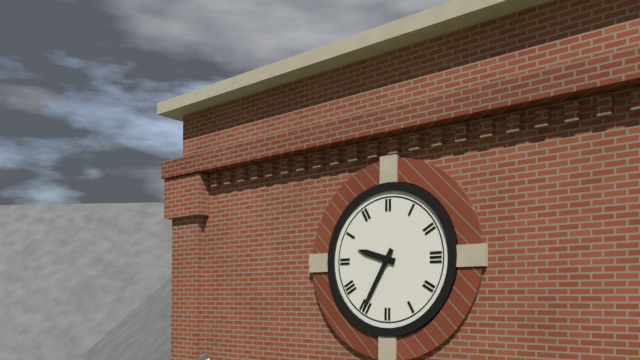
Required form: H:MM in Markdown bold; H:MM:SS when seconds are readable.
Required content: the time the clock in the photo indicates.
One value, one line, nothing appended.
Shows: **9:35**
